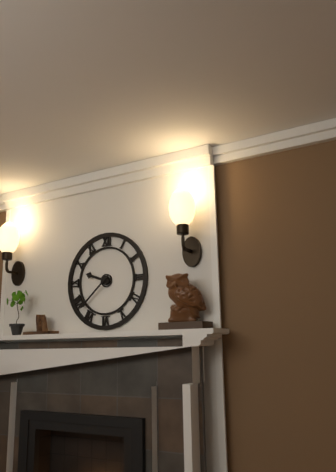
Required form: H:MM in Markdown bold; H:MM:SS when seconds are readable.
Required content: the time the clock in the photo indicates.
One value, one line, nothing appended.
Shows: **9:38**
